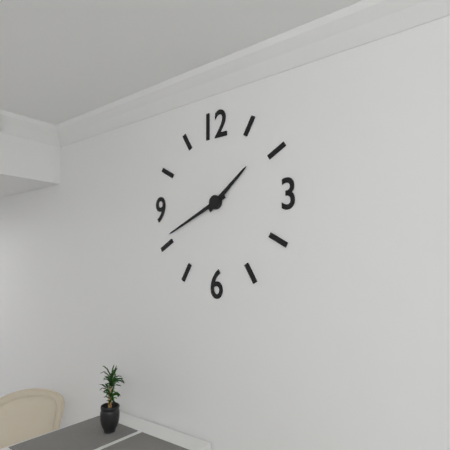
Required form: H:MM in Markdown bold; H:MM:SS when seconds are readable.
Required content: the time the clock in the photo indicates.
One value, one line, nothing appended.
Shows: **1:41**
